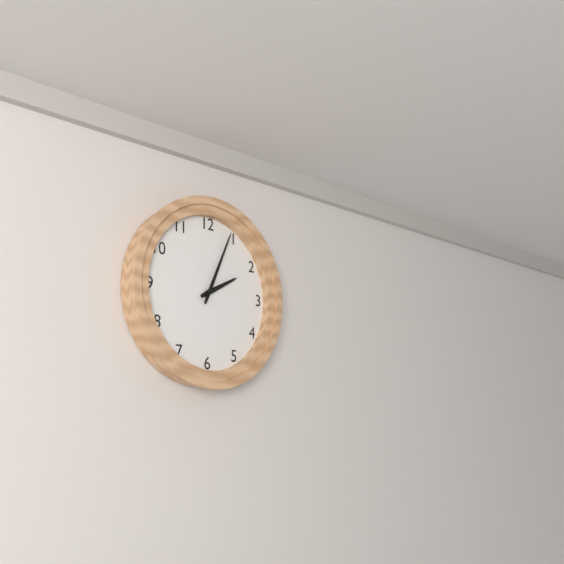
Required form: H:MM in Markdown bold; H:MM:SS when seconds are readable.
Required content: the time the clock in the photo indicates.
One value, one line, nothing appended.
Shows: **2:04**
